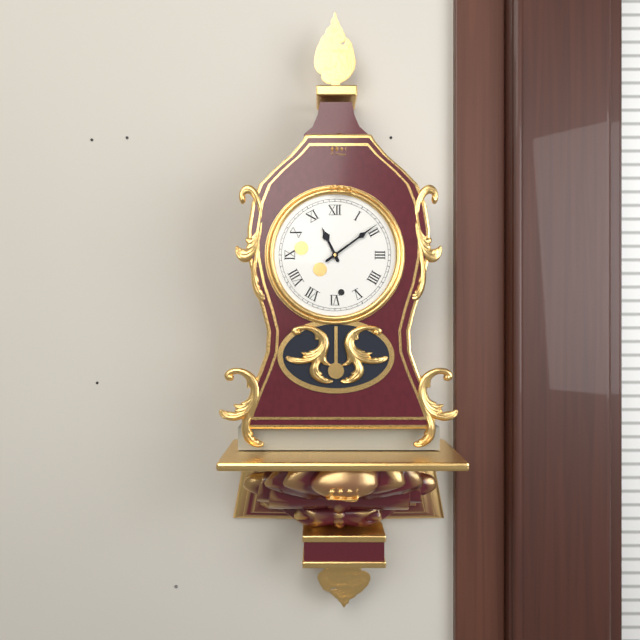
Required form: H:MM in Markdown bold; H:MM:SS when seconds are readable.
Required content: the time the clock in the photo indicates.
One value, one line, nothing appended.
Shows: **11:09**
